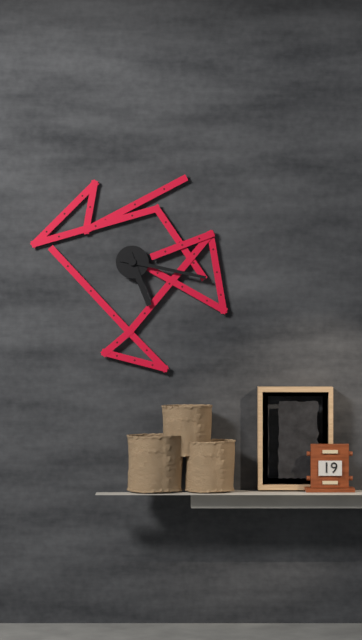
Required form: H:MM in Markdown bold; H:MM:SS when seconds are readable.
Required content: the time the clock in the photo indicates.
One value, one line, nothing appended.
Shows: **5:17**
